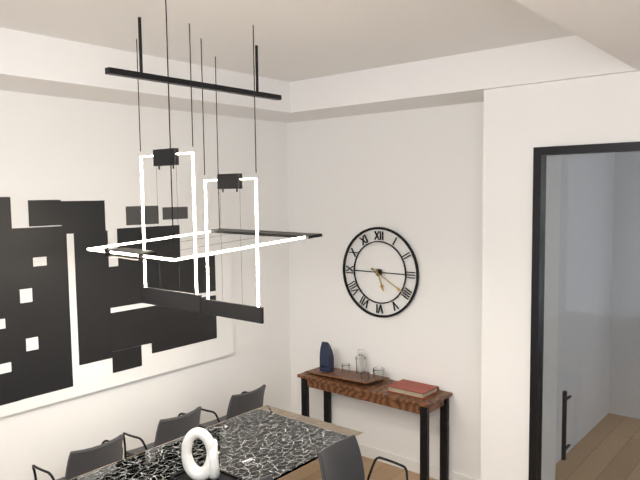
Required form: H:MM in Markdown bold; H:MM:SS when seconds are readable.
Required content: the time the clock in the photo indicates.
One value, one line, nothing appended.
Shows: **5:20**
